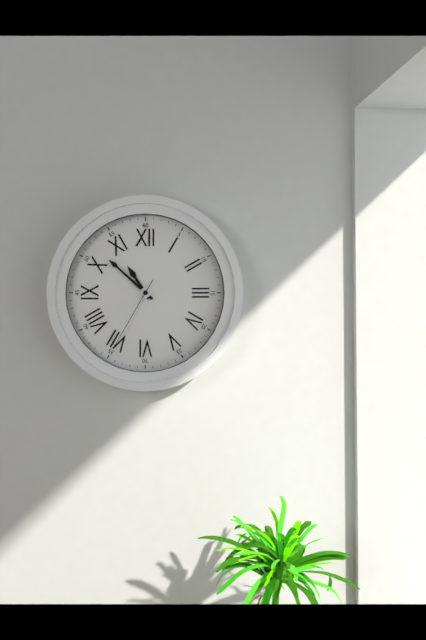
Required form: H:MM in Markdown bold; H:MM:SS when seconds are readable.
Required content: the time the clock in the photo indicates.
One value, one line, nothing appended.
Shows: **10:52:35**
